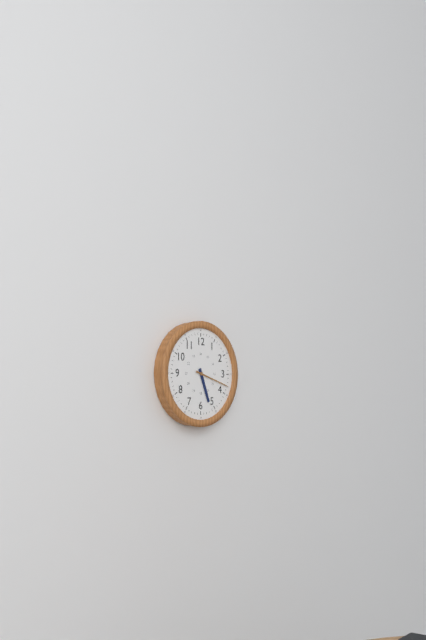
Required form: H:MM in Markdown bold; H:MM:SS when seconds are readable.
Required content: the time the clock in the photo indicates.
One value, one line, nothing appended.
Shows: **5:18**
